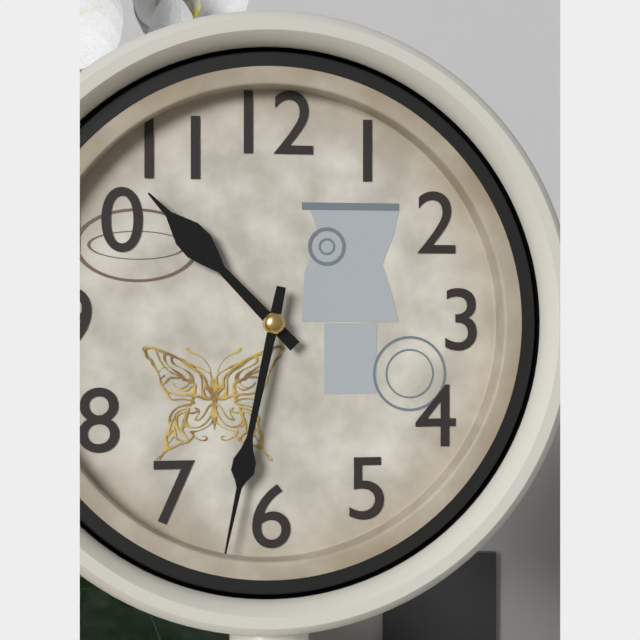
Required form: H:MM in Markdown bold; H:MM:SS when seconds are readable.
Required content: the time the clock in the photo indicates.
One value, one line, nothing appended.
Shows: **10:32**
